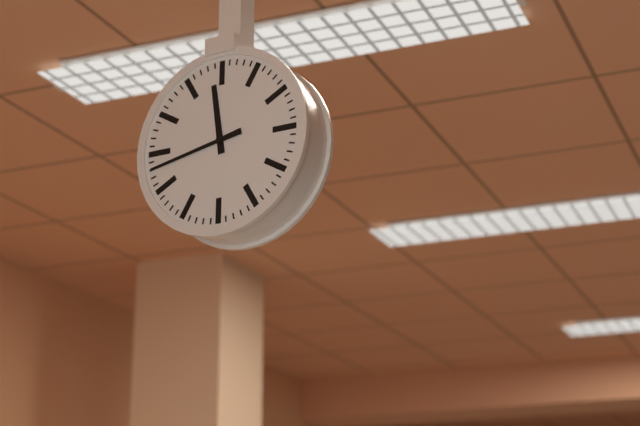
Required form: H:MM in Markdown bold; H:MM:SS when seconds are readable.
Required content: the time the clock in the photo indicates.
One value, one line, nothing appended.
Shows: **11:43**
